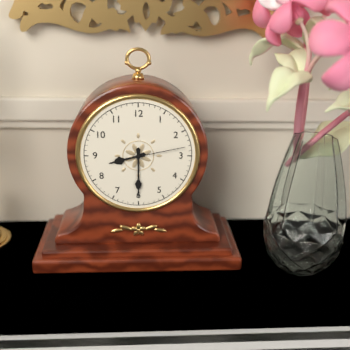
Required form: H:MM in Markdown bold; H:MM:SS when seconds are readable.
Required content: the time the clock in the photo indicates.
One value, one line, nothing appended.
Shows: **8:30:13**
